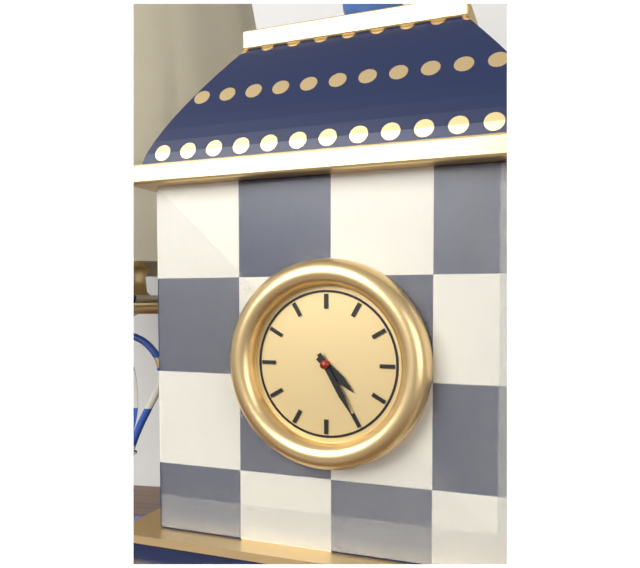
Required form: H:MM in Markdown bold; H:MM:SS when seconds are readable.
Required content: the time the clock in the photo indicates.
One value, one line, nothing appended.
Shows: **4:25**
